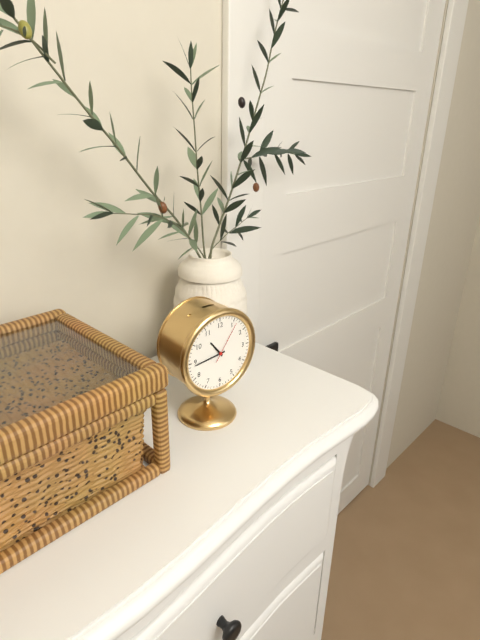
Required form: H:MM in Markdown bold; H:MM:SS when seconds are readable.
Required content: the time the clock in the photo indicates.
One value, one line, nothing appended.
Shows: **10:44**
